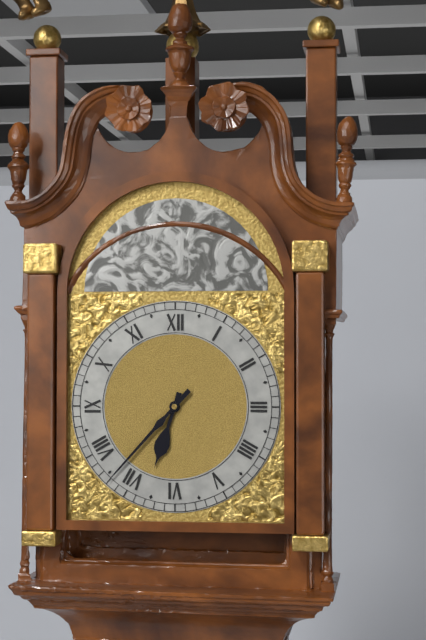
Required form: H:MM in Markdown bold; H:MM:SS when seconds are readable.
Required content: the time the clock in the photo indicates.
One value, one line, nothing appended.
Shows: **6:37**
